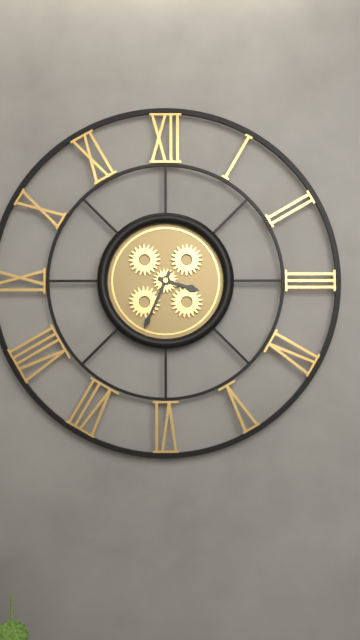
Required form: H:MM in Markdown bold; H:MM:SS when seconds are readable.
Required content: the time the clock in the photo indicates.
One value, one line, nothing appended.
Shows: **3:34**
